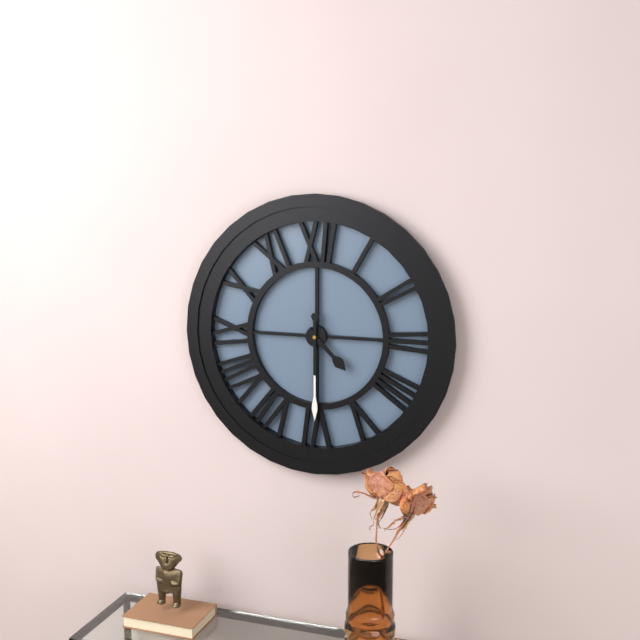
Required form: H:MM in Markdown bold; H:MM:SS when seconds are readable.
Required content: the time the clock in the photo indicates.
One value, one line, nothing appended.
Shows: **4:30**
